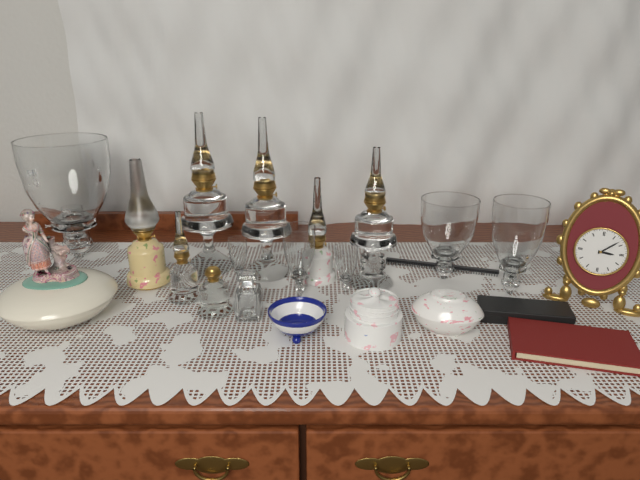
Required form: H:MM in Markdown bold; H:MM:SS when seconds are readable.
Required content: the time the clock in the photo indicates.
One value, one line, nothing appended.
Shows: **3:08**
